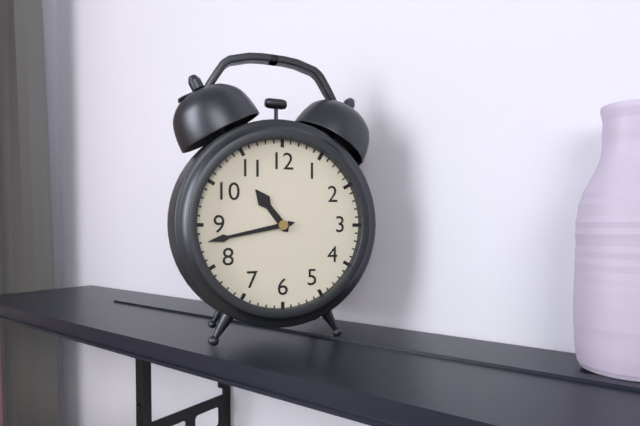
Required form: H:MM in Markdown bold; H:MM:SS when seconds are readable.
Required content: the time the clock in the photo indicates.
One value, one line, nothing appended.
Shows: **10:43**
